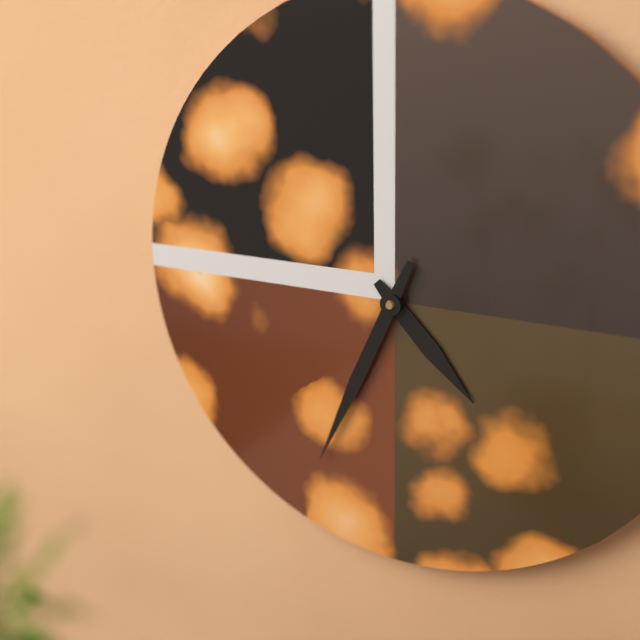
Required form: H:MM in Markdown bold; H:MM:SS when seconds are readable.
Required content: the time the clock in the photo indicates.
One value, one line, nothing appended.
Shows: **4:34**
